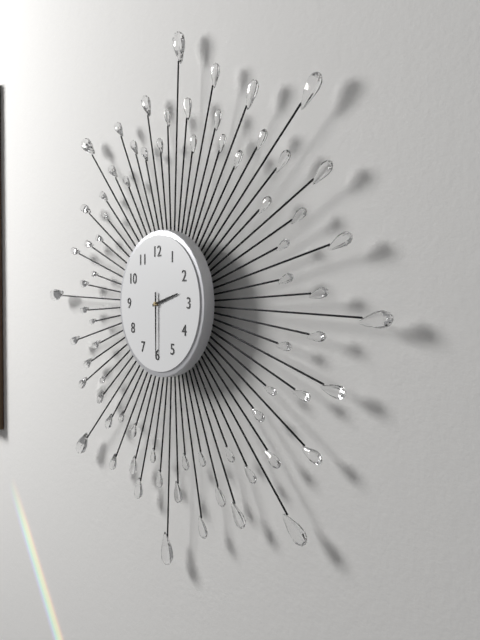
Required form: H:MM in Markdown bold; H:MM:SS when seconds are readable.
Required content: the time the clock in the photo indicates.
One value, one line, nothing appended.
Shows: **2:30**
